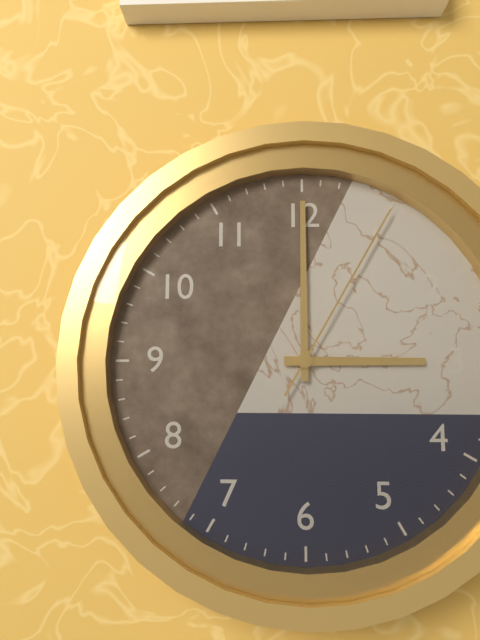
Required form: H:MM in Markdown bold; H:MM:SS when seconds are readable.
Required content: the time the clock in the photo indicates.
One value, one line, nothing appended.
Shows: **3:00:05**
